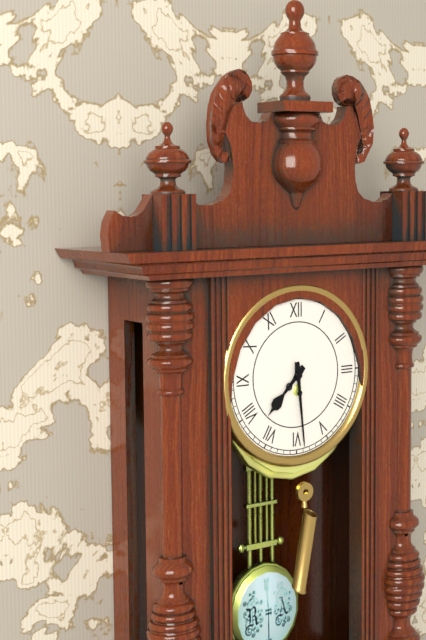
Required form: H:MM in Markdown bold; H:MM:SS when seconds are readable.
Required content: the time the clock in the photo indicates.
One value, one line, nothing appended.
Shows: **7:29**
